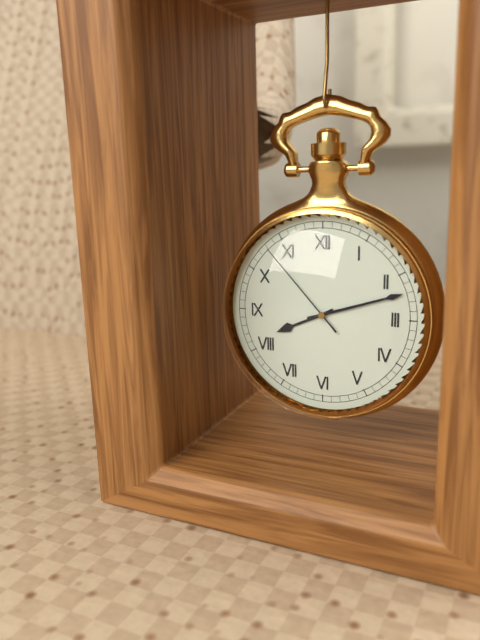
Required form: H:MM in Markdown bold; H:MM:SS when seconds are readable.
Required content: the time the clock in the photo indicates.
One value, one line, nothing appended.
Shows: **8:12:53**
